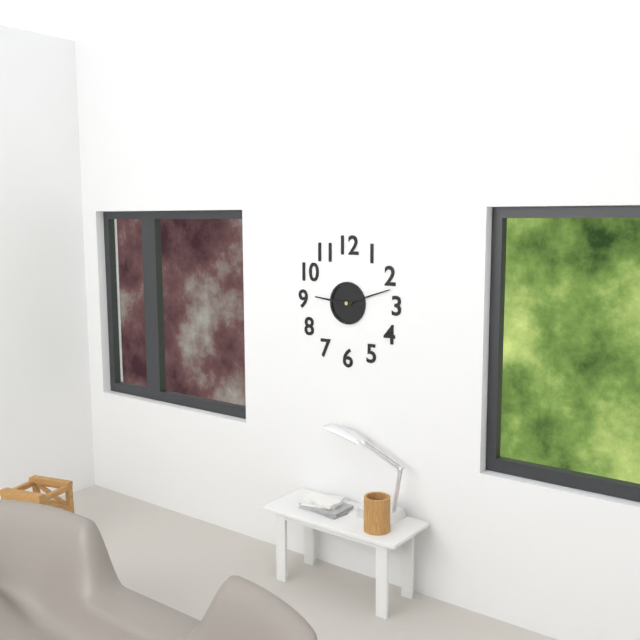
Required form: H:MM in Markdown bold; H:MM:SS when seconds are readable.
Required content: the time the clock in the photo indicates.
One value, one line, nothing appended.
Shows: **9:12**
